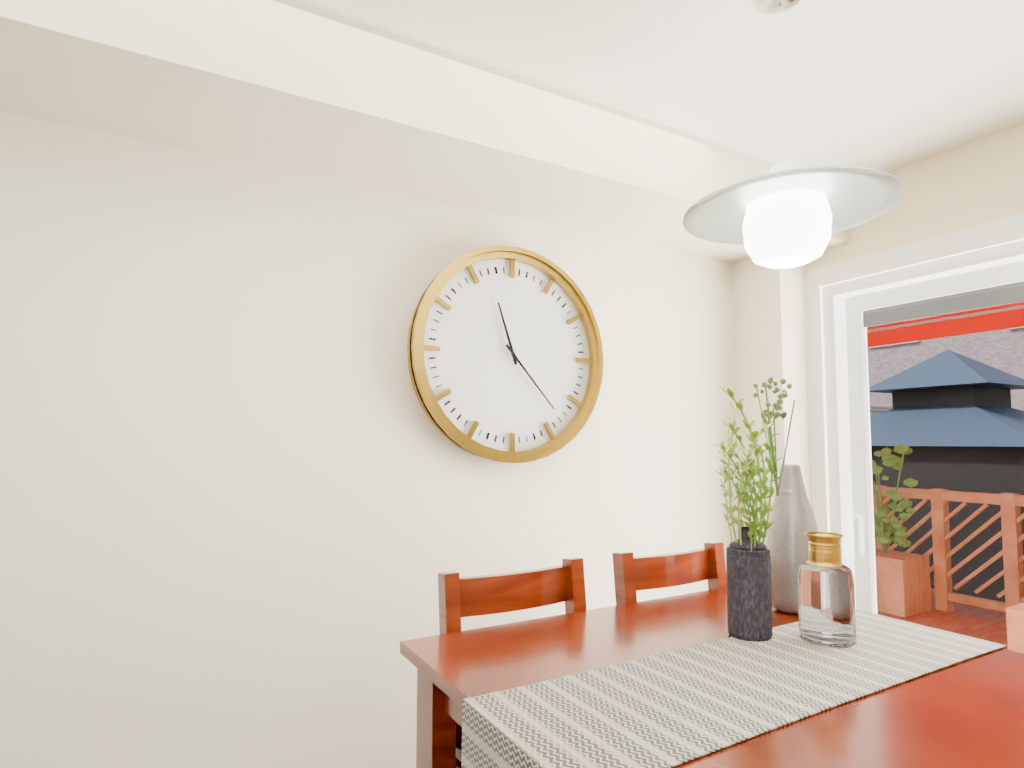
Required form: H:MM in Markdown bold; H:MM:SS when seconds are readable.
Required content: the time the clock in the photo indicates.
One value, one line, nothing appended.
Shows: **11:23**
